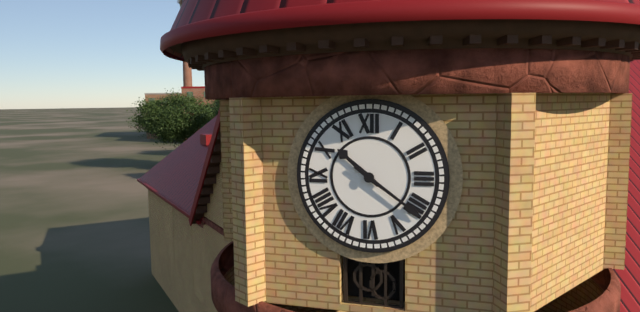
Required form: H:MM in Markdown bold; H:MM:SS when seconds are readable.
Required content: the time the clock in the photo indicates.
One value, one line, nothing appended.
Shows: **10:21**
